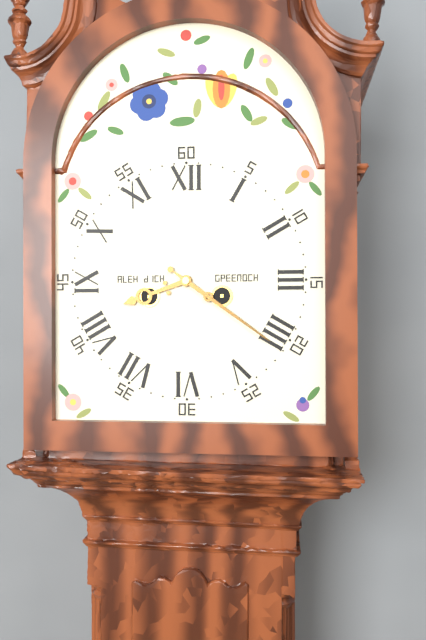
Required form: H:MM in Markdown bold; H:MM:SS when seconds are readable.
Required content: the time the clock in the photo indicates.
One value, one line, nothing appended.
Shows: **8:21**
